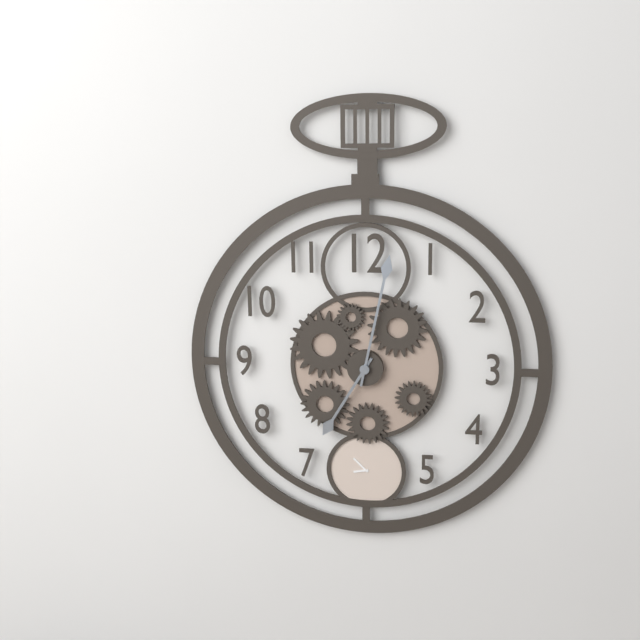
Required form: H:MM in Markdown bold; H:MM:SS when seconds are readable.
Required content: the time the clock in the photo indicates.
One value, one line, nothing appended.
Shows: **7:02**
